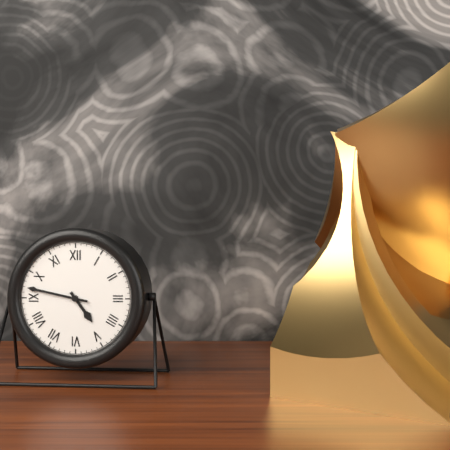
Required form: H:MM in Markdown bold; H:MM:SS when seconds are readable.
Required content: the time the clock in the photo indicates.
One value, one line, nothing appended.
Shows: **4:47**
